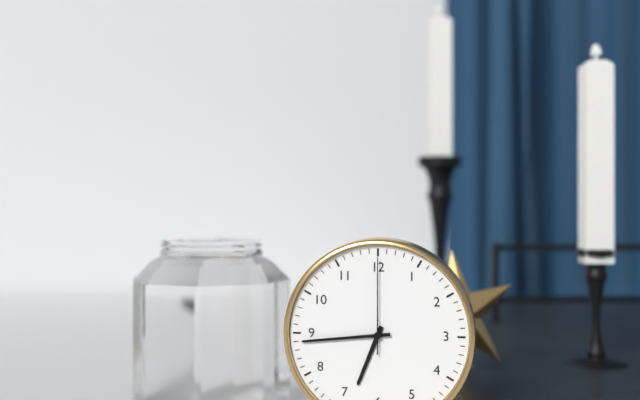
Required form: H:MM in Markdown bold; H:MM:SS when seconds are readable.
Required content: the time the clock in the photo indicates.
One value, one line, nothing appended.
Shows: **6:44:00**
